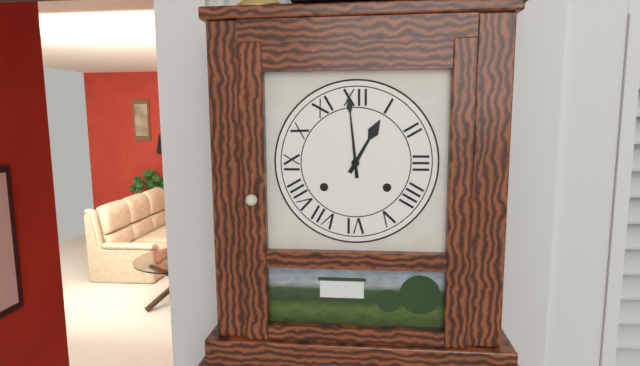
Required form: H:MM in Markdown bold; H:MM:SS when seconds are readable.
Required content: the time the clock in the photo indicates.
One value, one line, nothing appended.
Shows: **12:59**
